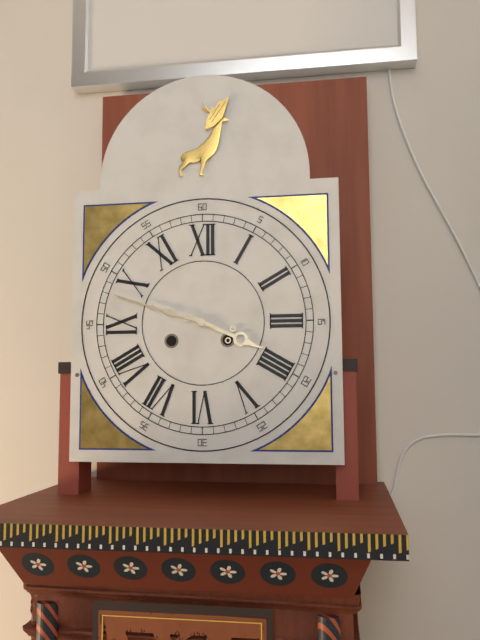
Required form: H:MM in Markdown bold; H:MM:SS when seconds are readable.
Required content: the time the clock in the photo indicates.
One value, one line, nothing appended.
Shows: **3:48**
